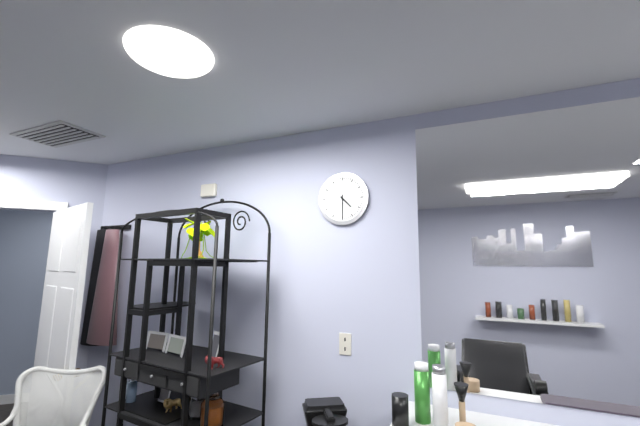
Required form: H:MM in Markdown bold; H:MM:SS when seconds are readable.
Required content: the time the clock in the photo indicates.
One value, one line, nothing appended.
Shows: **4:30**
